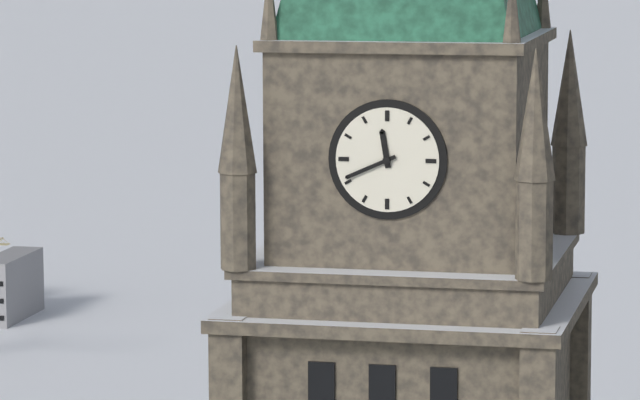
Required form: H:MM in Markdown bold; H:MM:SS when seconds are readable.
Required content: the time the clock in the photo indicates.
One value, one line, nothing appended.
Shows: **11:41**
